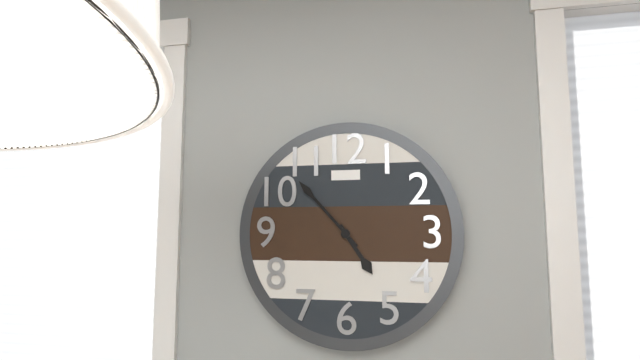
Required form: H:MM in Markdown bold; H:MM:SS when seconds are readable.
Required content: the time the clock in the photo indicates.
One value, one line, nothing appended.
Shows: **4:53**
